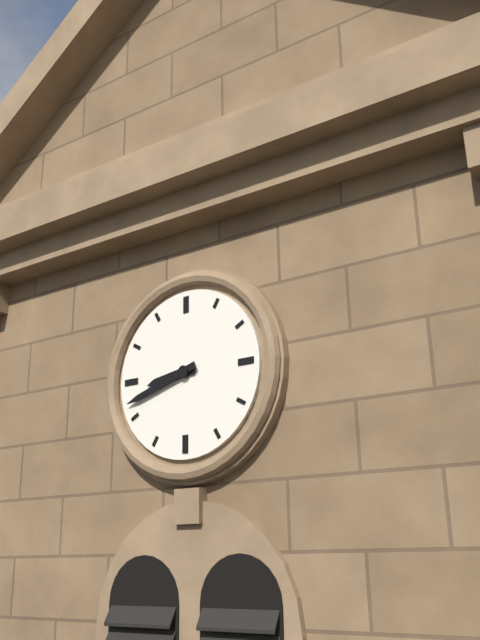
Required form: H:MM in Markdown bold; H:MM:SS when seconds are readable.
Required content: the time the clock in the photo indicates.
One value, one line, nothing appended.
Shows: **8:42**
